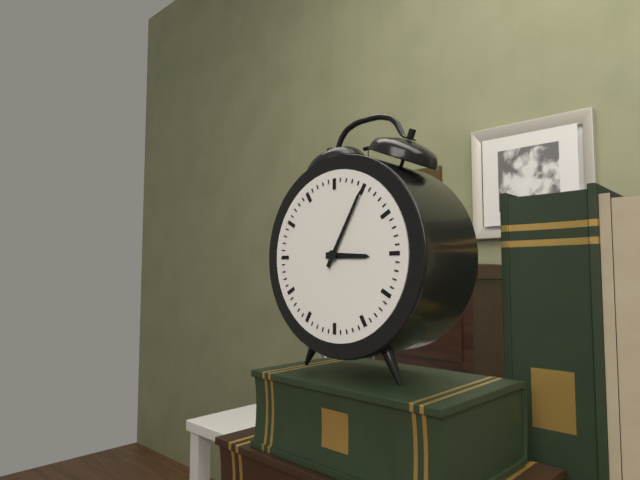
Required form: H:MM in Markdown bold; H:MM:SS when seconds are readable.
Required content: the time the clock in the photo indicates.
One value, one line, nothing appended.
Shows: **3:05**
